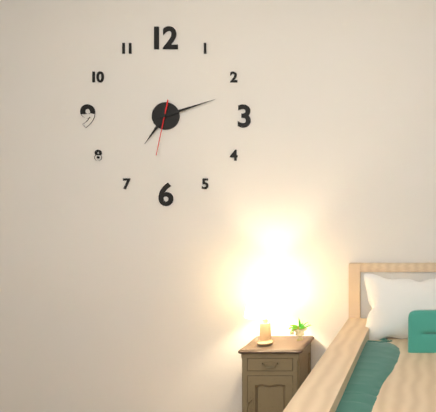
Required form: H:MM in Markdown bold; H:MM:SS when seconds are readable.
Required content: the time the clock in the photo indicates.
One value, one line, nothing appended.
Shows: **7:12:32**
